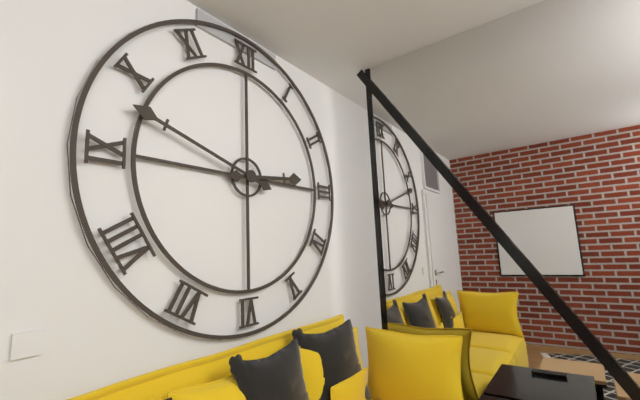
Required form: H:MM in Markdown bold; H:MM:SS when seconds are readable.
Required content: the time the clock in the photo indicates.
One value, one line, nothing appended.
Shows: **2:48**
